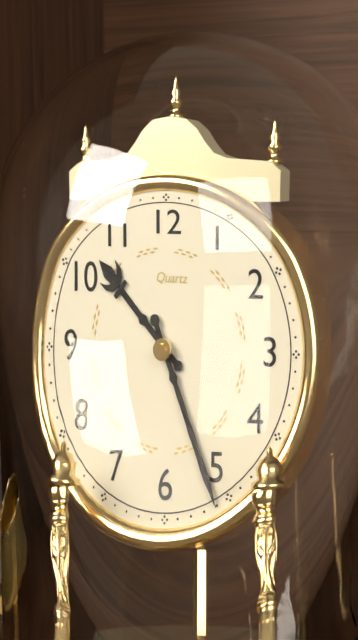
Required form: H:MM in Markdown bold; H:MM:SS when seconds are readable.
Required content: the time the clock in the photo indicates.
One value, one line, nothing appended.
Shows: **10:26**
